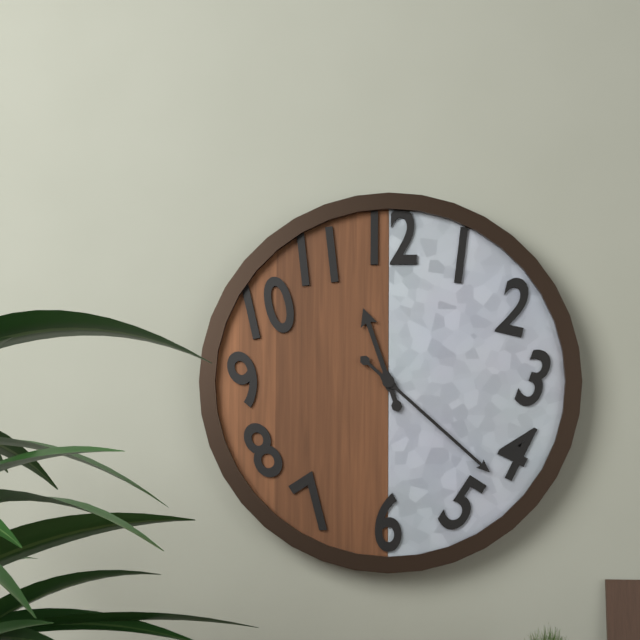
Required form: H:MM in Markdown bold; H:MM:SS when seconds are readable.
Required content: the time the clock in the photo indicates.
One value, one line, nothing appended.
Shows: **11:22**
